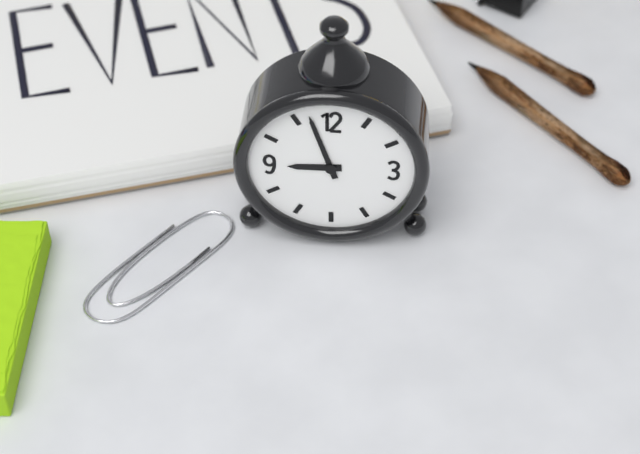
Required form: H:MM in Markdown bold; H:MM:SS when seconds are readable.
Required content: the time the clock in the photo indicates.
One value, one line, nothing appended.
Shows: **8:57**
